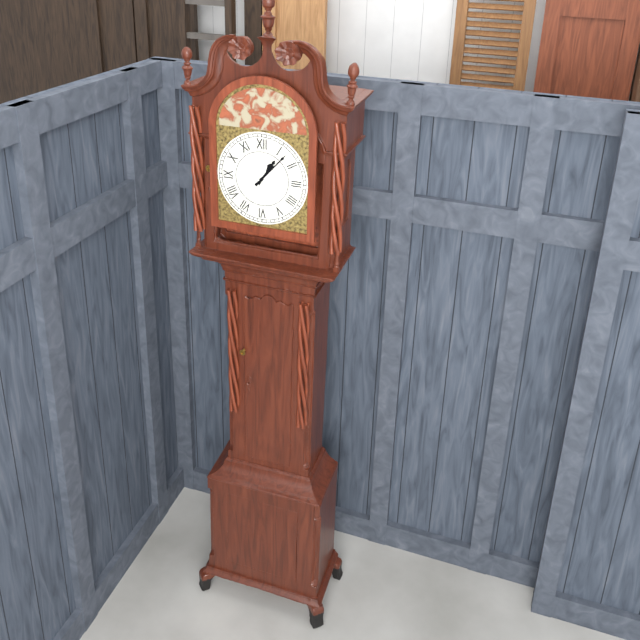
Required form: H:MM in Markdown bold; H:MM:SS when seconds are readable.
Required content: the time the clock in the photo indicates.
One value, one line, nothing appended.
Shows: **1:07**
